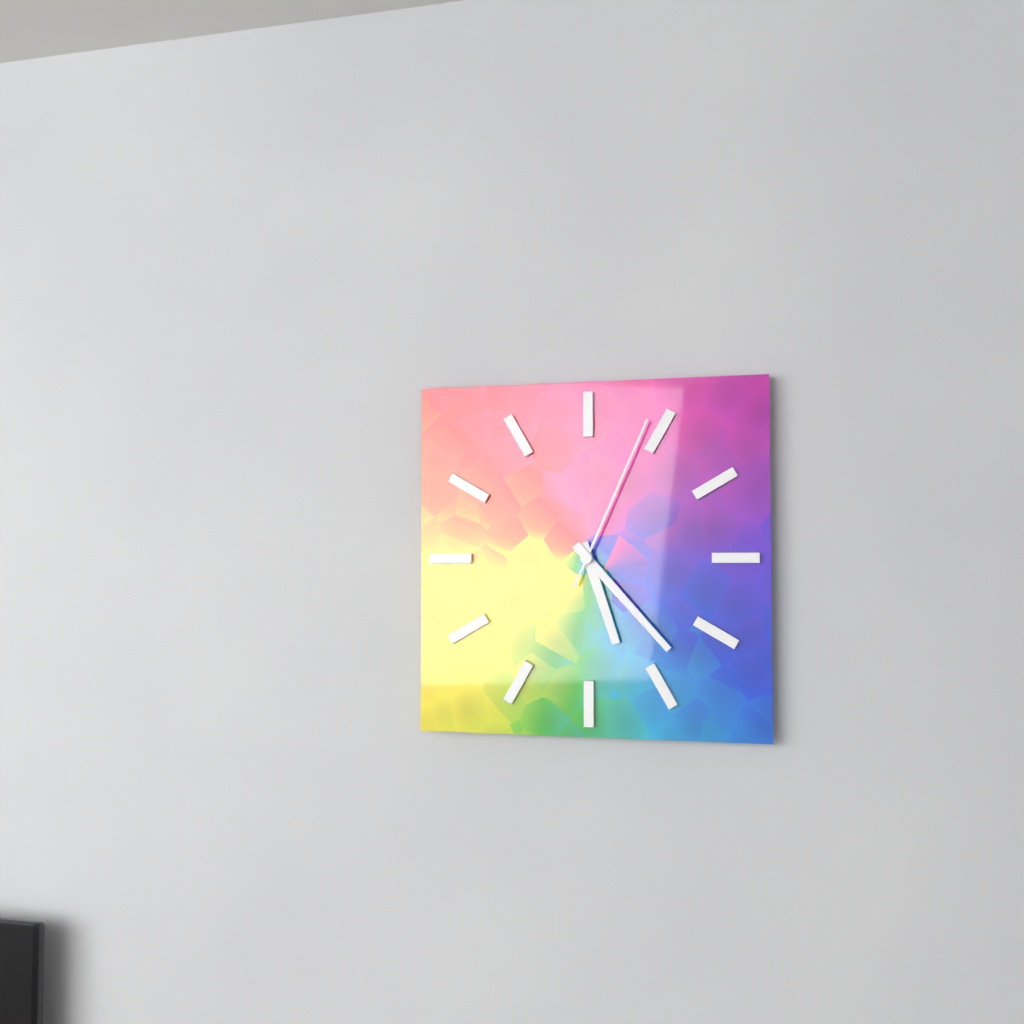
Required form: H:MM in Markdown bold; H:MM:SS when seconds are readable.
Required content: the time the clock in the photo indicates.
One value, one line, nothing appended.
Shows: **5:23:04**
